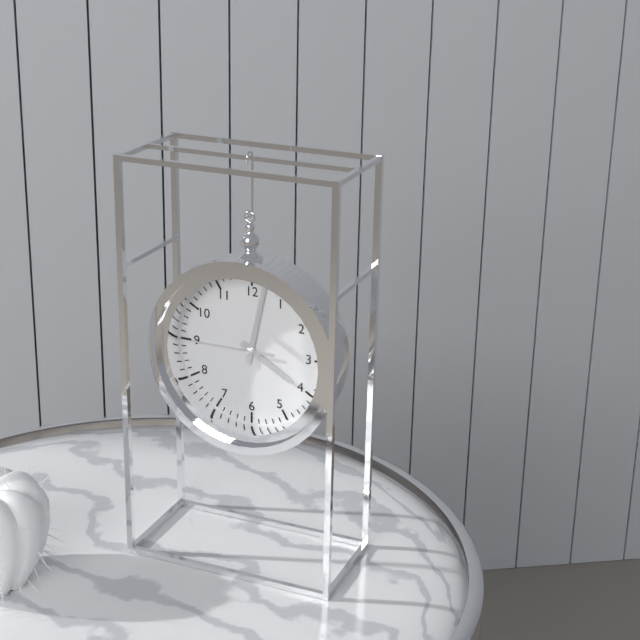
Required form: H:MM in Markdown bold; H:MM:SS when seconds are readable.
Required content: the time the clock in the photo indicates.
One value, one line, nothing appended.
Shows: **4:02:45**
